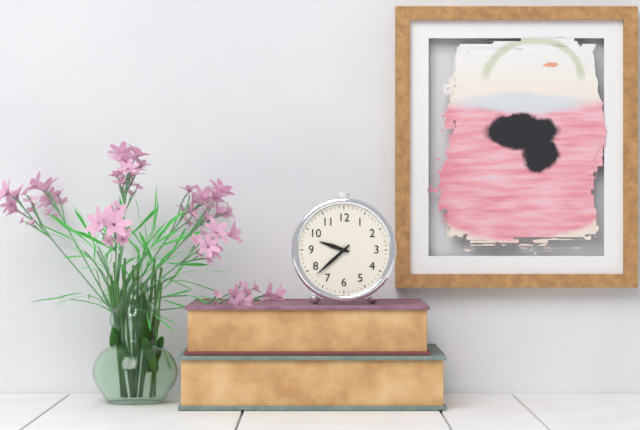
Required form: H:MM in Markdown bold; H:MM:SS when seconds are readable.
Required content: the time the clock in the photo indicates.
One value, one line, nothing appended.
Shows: **9:38**
